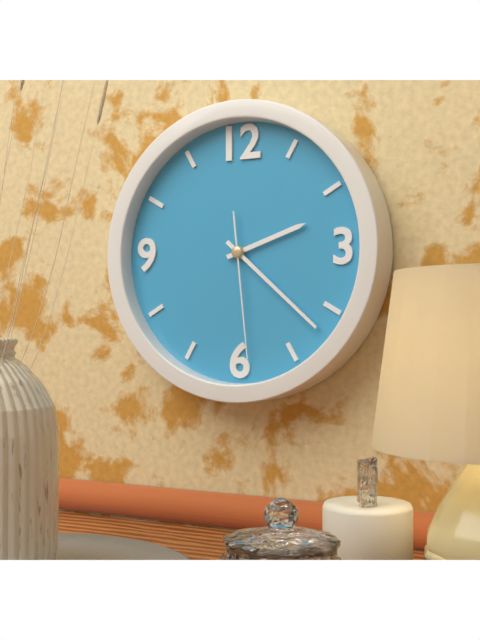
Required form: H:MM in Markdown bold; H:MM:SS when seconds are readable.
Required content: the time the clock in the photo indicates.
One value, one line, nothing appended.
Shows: **2:22:29**
